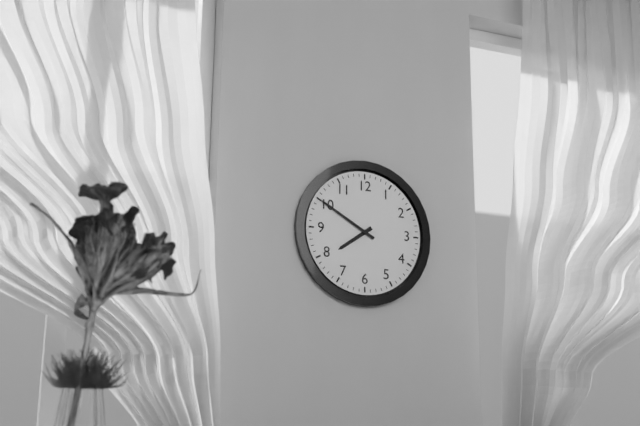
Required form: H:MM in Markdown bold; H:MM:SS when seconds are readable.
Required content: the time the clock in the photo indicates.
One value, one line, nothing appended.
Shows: **7:50**
